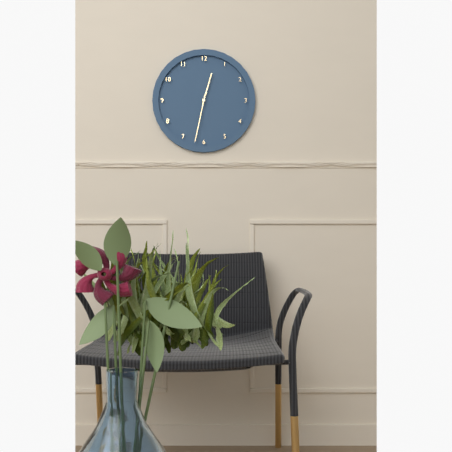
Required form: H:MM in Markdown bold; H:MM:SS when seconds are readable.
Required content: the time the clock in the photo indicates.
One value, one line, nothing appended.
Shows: **12:32**
